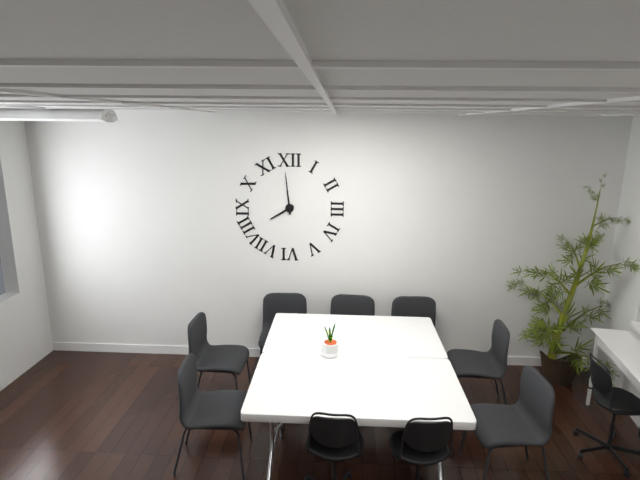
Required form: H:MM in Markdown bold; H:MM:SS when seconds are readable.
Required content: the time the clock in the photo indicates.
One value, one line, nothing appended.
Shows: **7:59**
